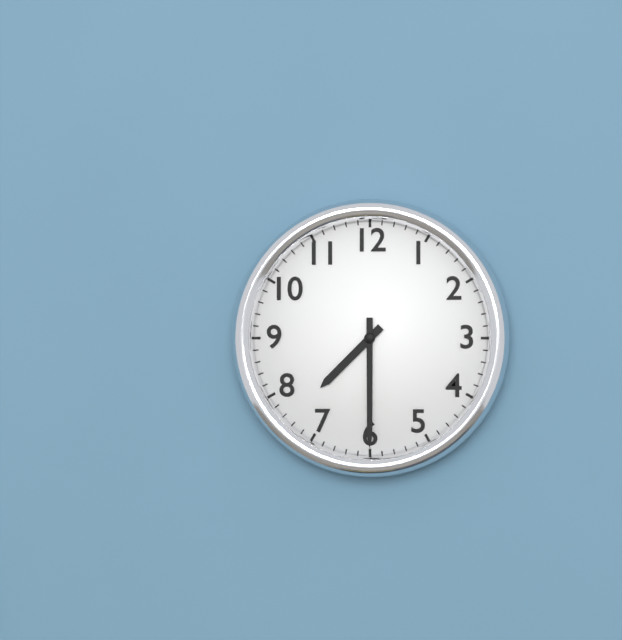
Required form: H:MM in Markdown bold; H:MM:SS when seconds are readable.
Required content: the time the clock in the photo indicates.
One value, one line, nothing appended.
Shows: **7:30**
